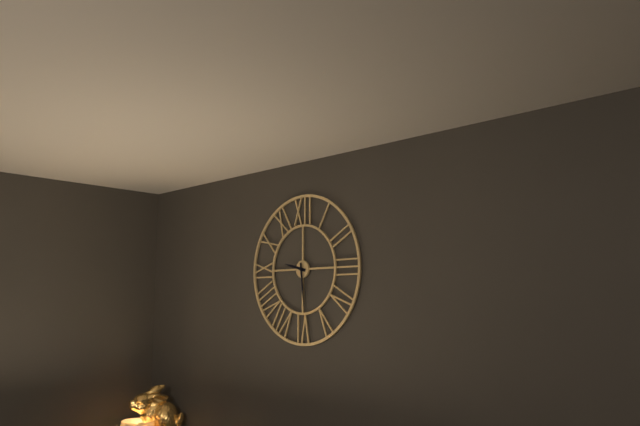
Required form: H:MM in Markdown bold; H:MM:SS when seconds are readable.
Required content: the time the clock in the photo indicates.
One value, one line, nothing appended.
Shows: **9:29**
